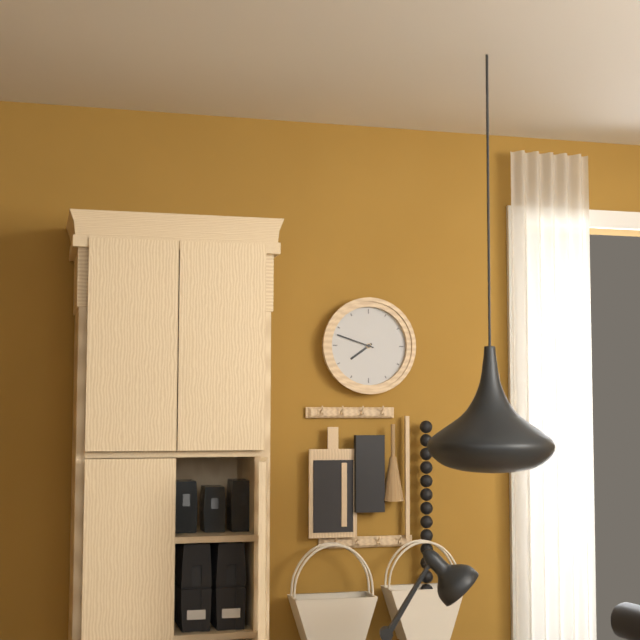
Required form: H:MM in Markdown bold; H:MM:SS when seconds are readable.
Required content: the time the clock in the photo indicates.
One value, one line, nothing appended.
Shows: **7:48**
